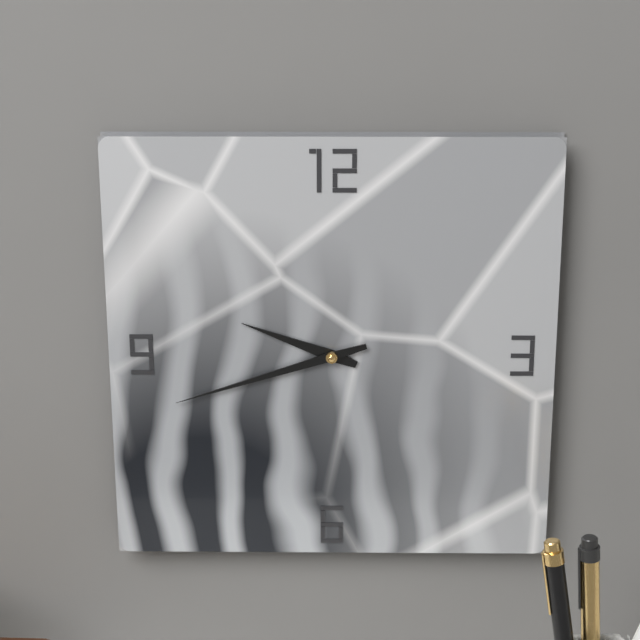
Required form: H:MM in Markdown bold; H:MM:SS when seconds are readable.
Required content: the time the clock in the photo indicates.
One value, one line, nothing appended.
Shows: **9:42**
